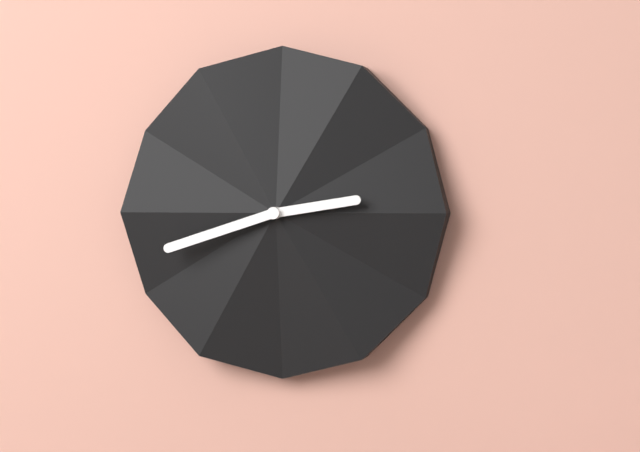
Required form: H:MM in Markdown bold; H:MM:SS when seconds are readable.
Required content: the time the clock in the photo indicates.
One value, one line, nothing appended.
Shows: **2:42**
